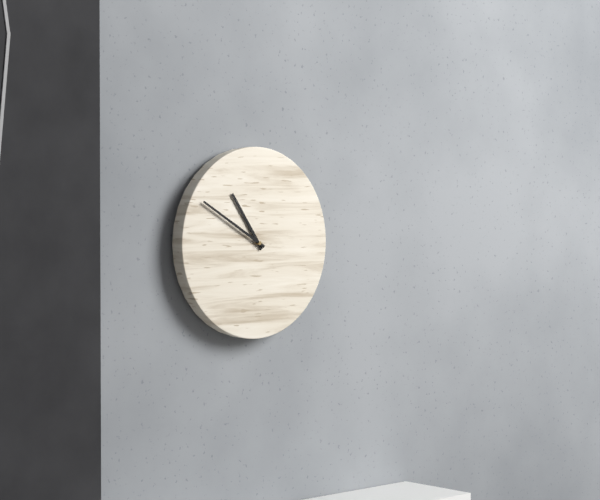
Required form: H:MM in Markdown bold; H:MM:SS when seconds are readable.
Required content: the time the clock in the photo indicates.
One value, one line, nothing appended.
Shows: **10:50**
